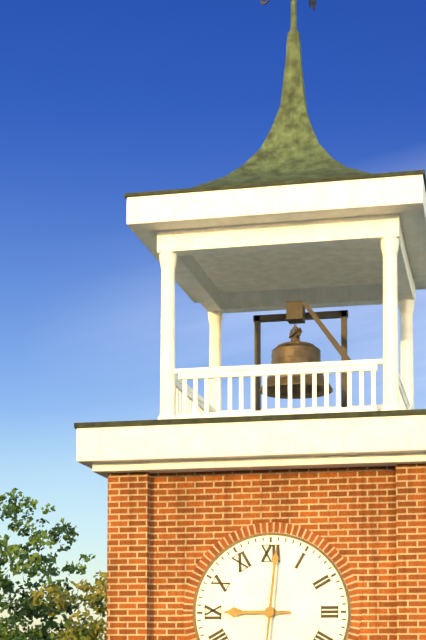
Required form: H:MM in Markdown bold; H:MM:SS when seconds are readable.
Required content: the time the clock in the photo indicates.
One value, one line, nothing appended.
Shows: **9:01**
